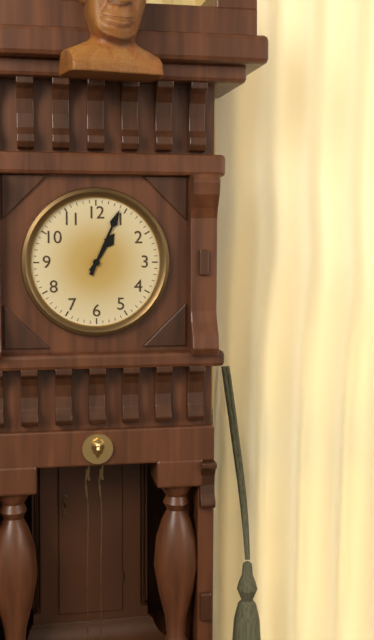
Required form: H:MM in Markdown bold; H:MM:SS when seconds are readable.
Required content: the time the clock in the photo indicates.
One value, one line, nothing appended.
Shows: **1:04**
